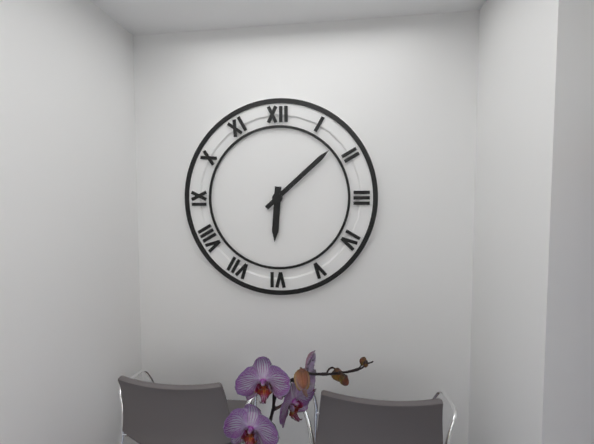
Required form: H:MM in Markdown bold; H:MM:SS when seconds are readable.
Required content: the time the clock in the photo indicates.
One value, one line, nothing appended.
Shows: **6:08**
